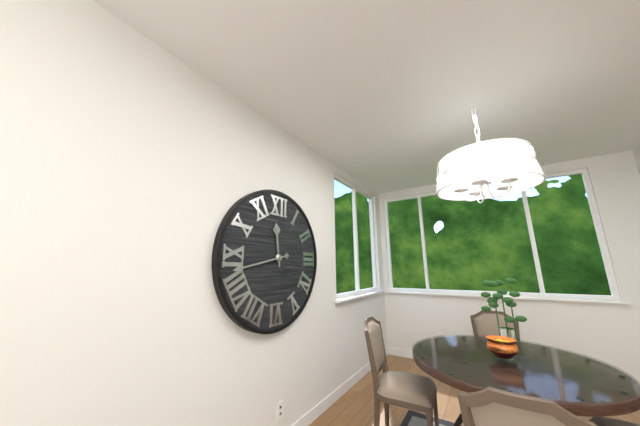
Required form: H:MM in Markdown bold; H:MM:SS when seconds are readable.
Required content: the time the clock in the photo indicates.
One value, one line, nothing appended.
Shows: **11:43**
